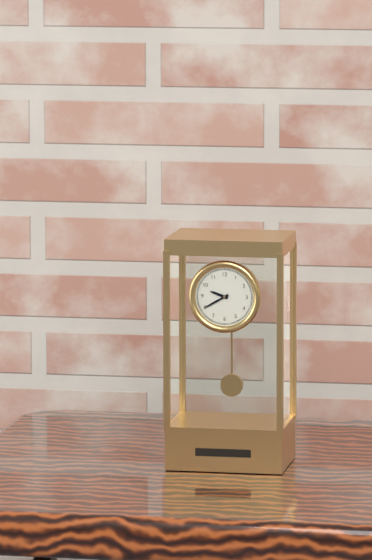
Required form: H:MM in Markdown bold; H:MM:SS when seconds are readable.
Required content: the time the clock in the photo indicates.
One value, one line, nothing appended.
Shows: **9:40**
